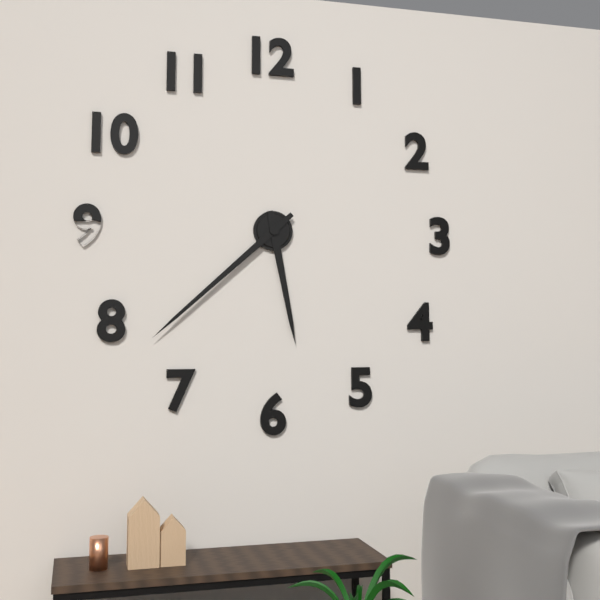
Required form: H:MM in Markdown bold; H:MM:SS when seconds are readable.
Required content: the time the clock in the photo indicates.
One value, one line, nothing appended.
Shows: **5:38**
